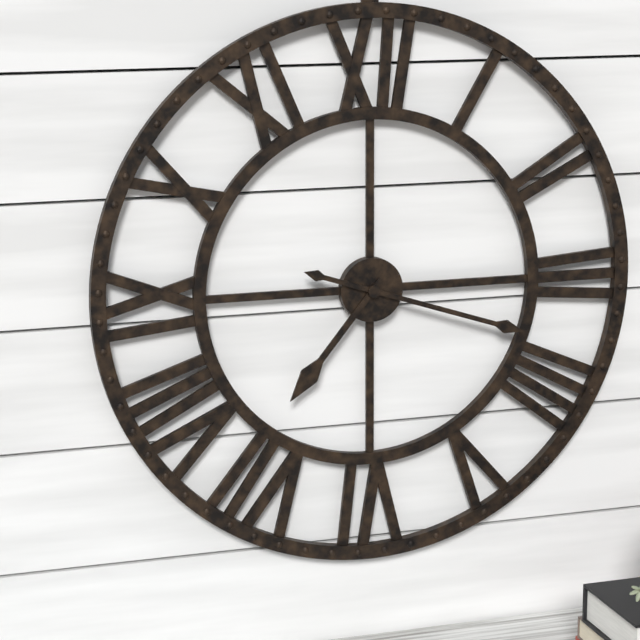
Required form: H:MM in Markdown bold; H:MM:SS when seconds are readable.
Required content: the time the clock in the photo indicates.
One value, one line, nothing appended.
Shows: **7:18**
